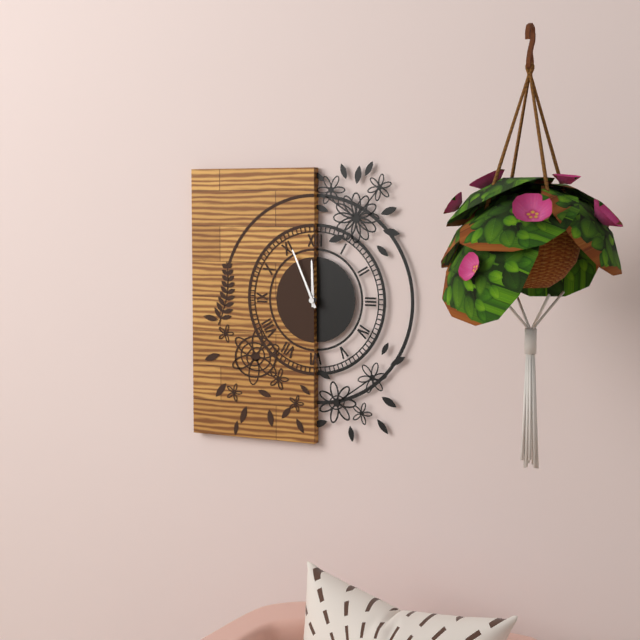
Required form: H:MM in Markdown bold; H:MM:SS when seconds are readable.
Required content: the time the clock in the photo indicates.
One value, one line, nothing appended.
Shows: **11:56**
